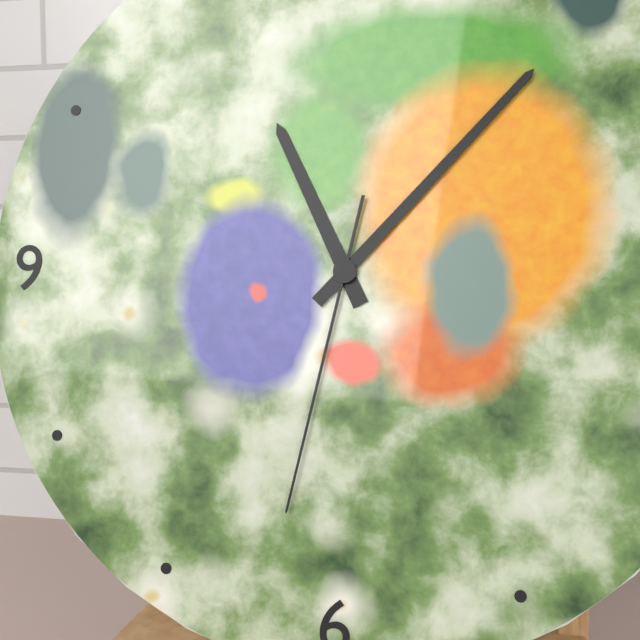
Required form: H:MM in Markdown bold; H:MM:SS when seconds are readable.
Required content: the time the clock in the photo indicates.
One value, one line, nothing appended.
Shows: **11:07:32**
